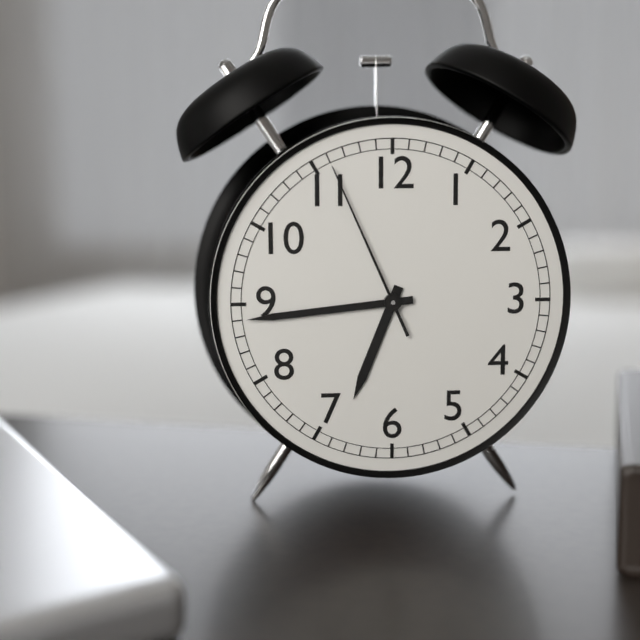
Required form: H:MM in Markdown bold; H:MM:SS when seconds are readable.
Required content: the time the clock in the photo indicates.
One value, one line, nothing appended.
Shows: **6:44:56**
